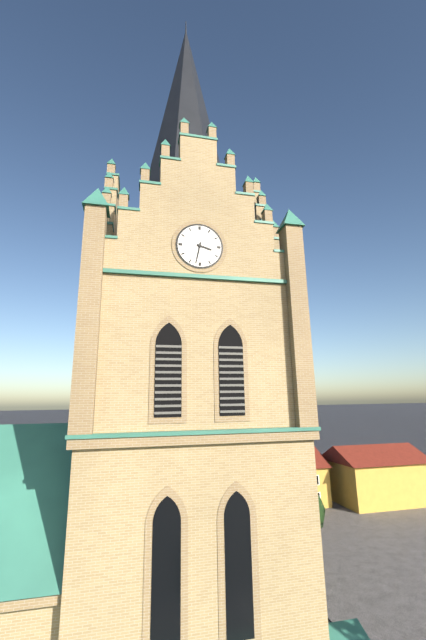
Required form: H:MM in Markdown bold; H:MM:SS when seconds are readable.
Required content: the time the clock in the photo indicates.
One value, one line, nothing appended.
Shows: **3:32**
